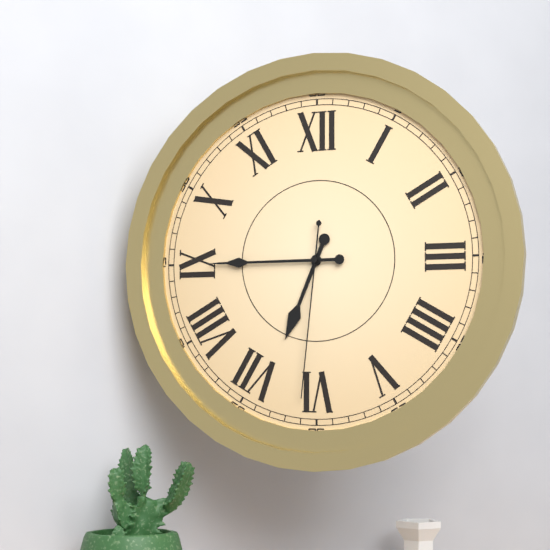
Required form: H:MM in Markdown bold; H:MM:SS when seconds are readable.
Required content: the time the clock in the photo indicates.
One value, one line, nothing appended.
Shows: **6:45:31**
